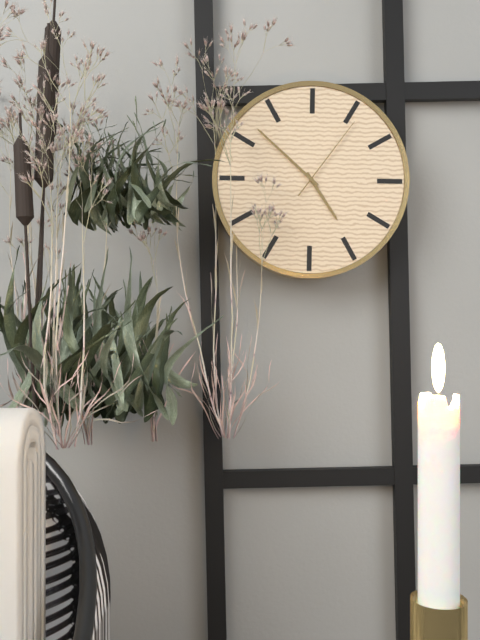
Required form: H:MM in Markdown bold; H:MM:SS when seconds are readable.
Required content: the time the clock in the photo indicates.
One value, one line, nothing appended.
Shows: **4:52:06**
